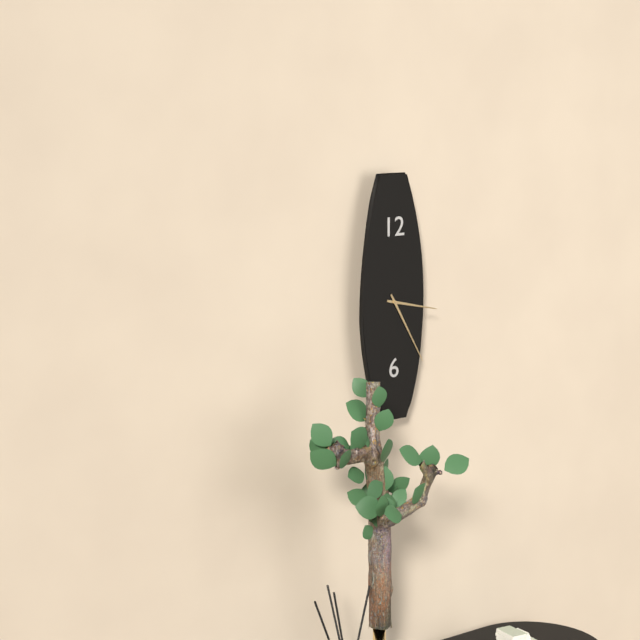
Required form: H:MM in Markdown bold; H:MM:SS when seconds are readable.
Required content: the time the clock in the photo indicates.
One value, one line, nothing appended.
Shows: **3:25**
